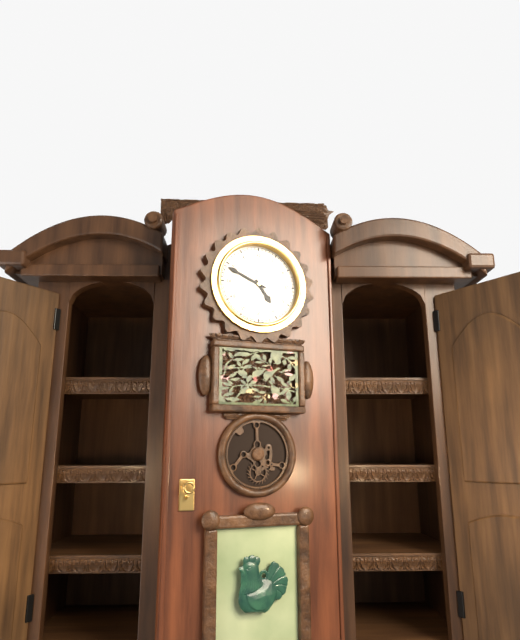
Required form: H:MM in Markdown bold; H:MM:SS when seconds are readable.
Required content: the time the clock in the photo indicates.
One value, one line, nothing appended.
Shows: **4:49**
